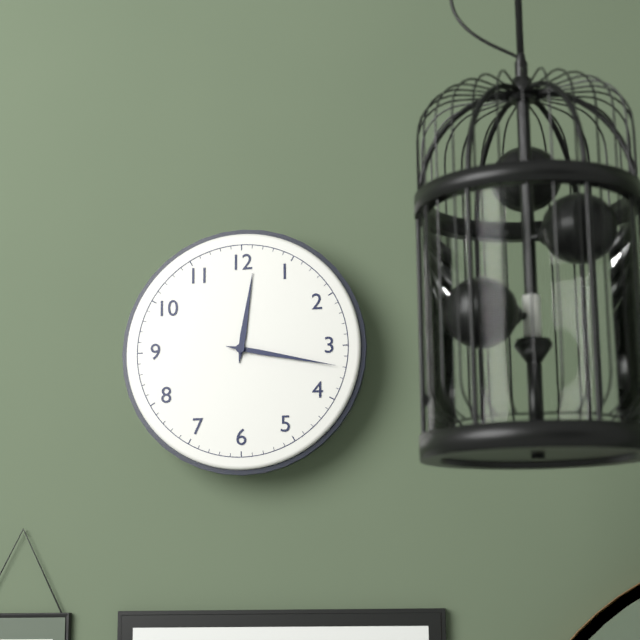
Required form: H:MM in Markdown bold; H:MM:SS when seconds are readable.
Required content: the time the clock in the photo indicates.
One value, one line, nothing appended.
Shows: **12:17**
